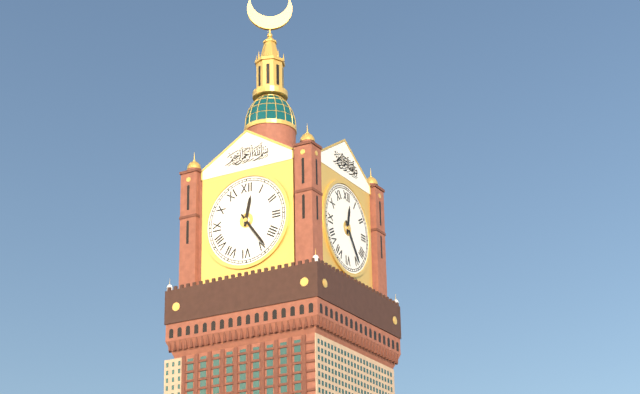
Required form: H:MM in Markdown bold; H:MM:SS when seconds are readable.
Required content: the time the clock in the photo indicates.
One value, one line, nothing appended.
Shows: **12:24**
